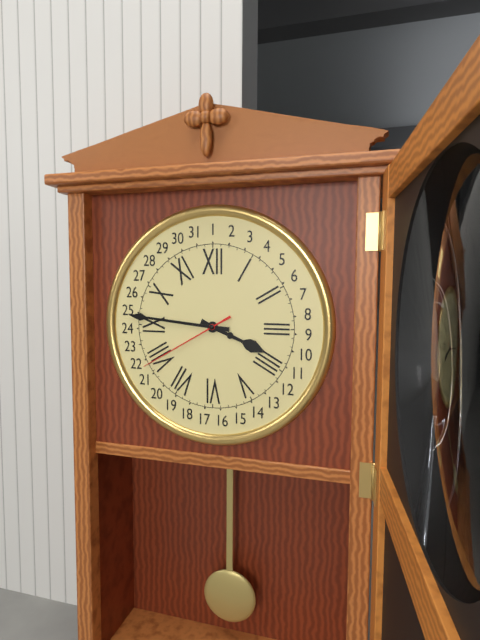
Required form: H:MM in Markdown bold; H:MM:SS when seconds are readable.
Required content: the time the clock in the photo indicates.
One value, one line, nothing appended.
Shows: **3:46:40**
